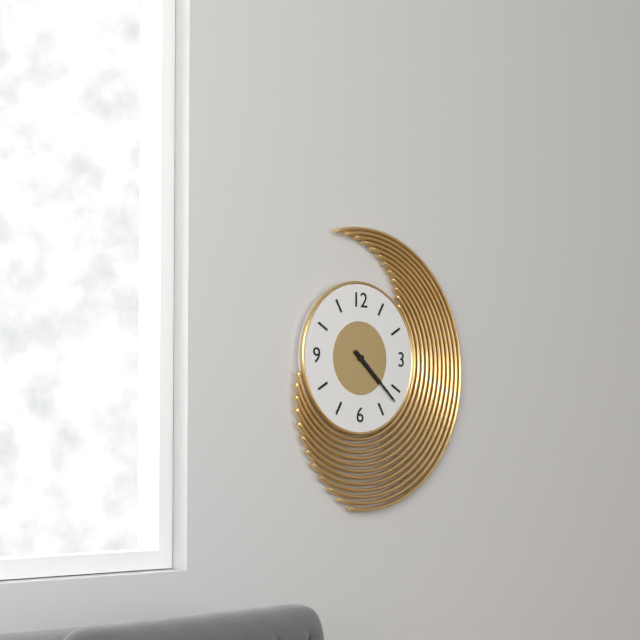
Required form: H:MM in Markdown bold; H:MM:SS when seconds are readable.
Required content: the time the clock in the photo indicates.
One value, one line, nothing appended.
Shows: **4:22**
